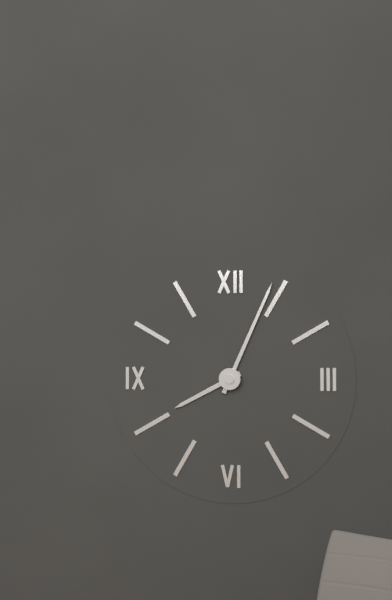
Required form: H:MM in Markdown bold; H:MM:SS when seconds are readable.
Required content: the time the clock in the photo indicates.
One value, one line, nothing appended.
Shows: **8:04**
